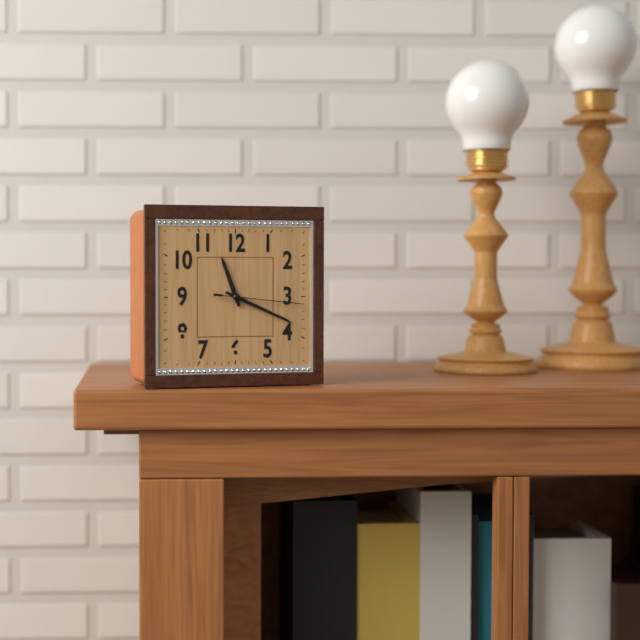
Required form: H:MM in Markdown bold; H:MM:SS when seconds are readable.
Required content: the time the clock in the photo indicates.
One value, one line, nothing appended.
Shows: **11:19:16**
